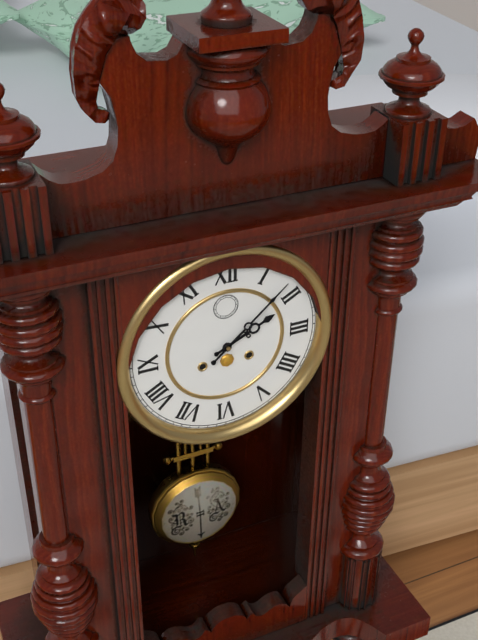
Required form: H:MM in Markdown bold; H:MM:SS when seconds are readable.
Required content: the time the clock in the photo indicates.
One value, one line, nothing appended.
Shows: **2:08**
